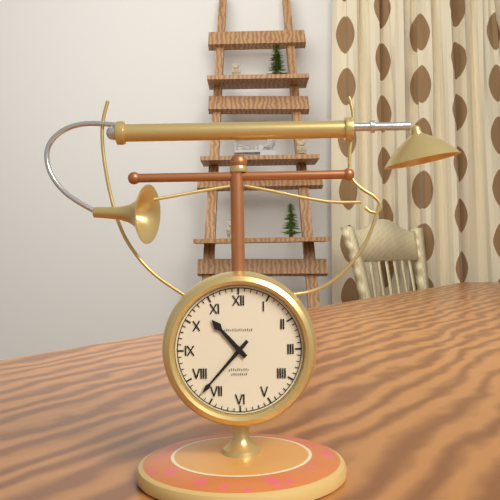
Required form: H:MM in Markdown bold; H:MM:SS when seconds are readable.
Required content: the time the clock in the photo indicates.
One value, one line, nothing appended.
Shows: **10:37**
